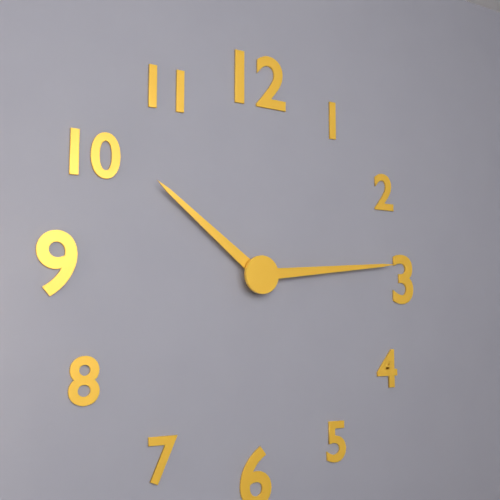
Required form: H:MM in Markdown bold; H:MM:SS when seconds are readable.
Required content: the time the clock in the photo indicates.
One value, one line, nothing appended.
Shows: **10:14**
